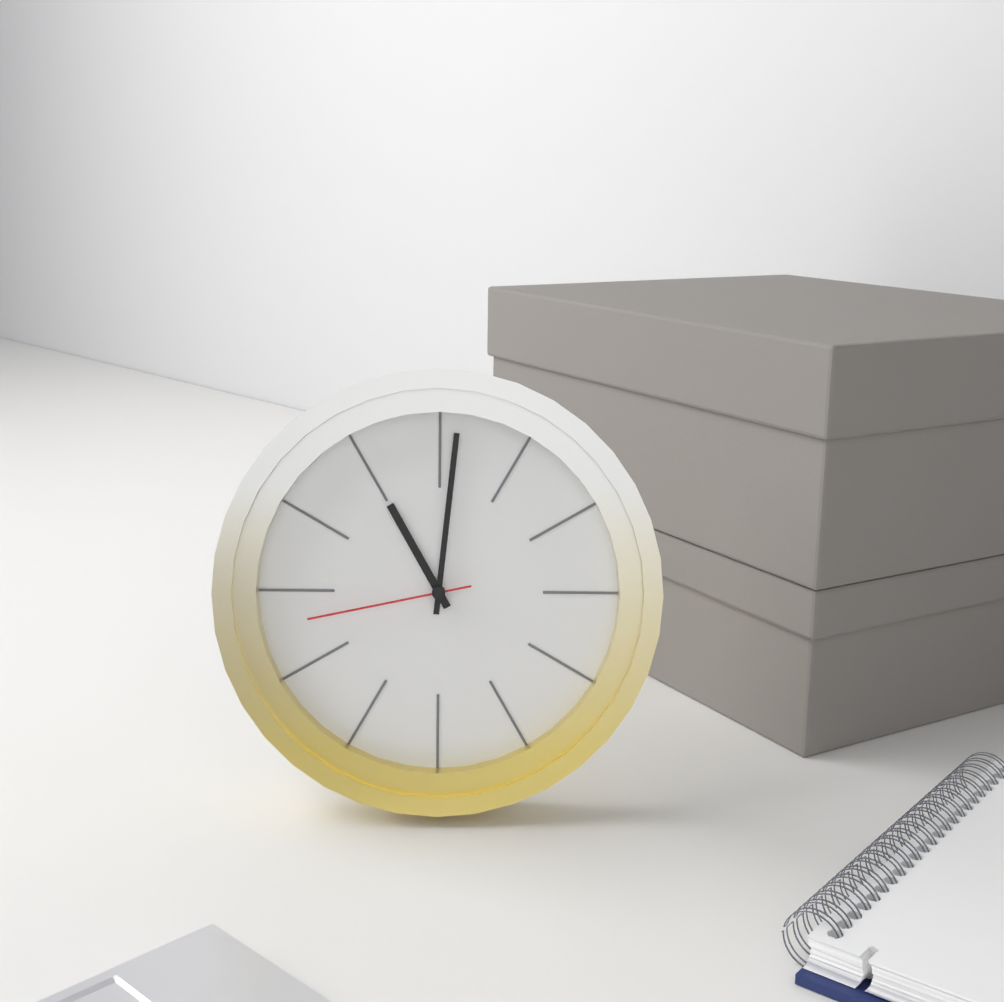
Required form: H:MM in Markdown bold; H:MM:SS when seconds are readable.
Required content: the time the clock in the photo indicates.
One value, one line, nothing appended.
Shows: **11:01:43**
